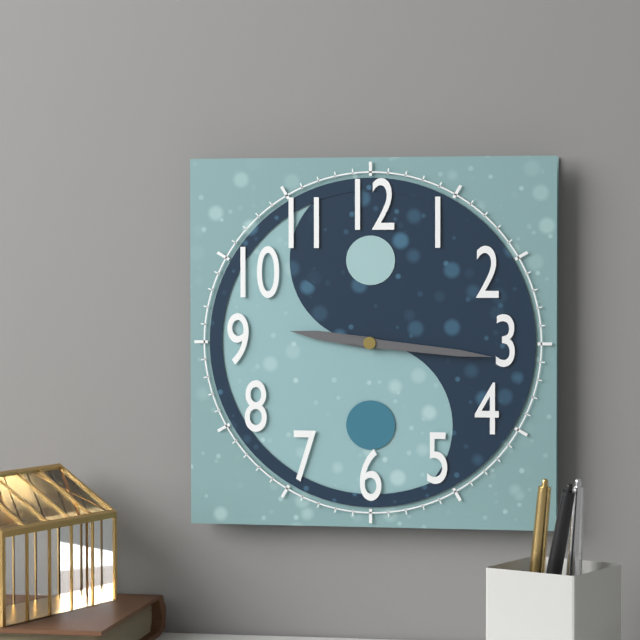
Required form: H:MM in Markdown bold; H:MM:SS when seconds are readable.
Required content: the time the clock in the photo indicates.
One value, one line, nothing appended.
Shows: **9:16**
